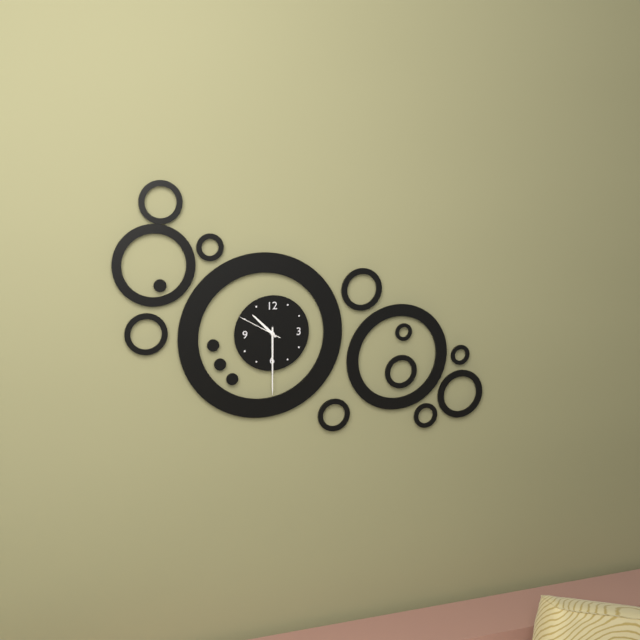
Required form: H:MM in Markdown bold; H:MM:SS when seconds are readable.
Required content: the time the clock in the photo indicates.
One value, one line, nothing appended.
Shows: **10:30**
